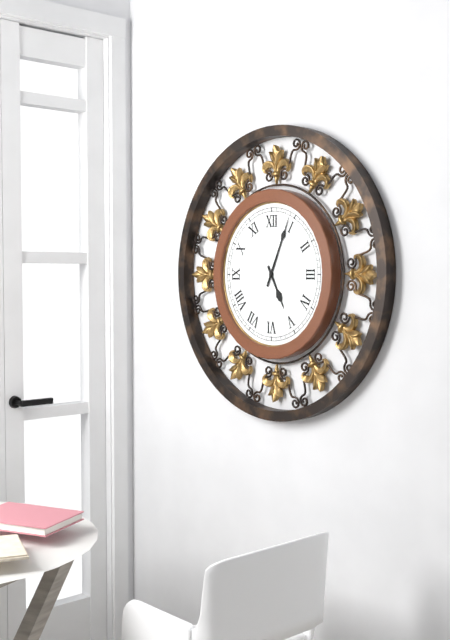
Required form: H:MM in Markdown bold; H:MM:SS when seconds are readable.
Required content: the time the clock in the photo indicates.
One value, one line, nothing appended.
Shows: **5:04**
